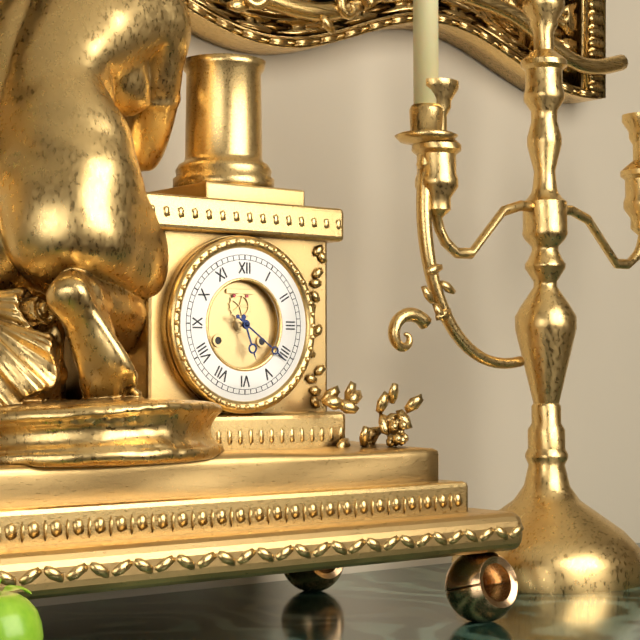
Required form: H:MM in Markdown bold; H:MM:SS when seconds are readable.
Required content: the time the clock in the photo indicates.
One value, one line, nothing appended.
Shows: **5:21**
